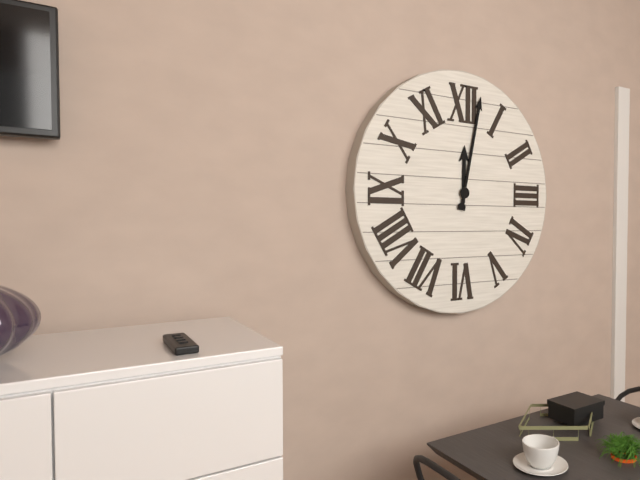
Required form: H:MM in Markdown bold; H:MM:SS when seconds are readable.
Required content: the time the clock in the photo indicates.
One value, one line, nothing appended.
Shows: **12:02**
